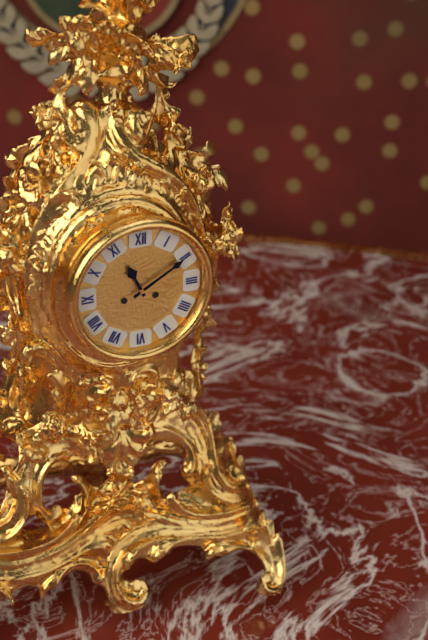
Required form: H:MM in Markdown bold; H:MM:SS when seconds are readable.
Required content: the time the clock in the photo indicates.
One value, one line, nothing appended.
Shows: **11:10**
